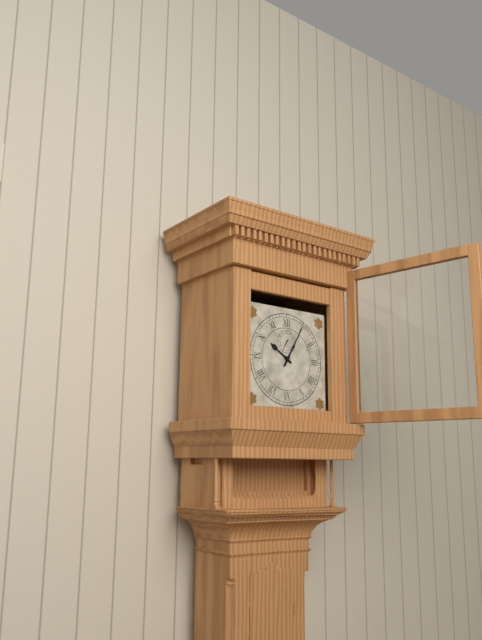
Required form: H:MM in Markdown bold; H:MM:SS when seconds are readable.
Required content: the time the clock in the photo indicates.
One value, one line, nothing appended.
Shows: **10:05**
